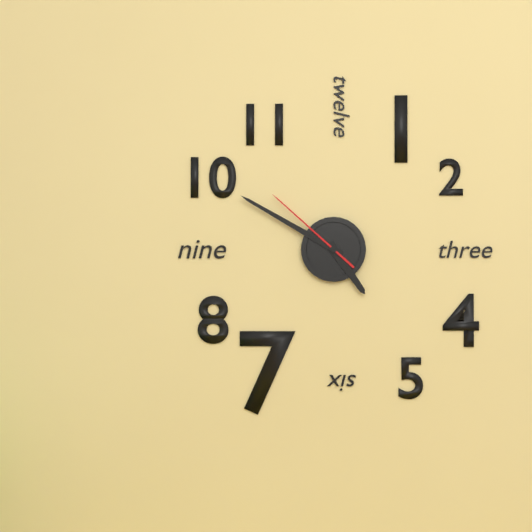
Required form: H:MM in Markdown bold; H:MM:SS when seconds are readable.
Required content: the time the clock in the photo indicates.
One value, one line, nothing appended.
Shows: **4:50:52**
